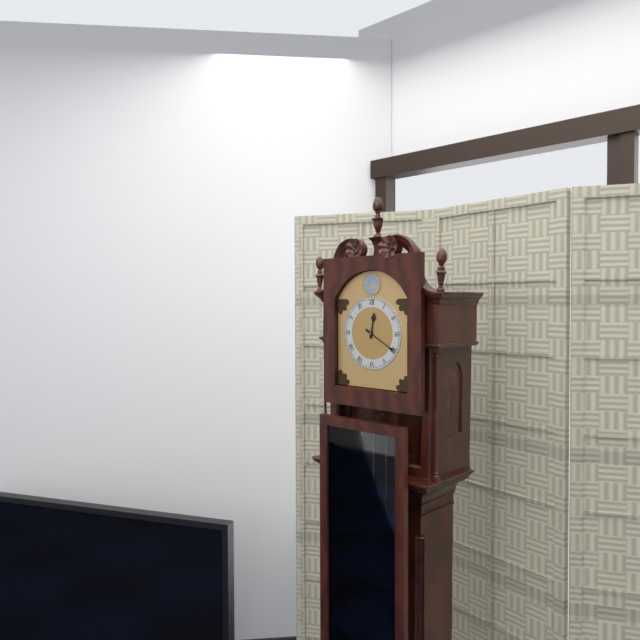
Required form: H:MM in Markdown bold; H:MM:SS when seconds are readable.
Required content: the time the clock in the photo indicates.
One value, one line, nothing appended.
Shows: **12:20**
